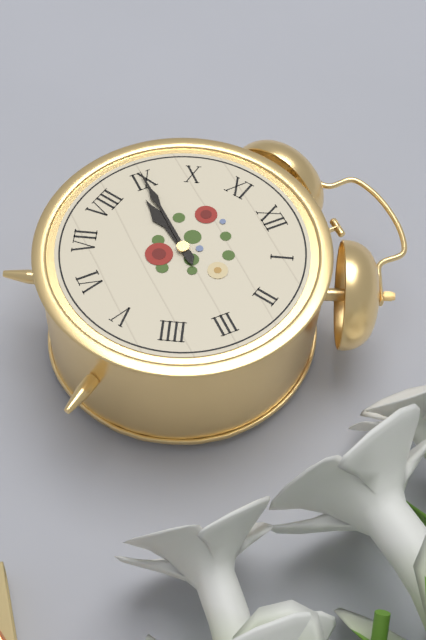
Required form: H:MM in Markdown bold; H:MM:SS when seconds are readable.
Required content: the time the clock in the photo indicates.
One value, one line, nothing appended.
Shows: **8:45**
